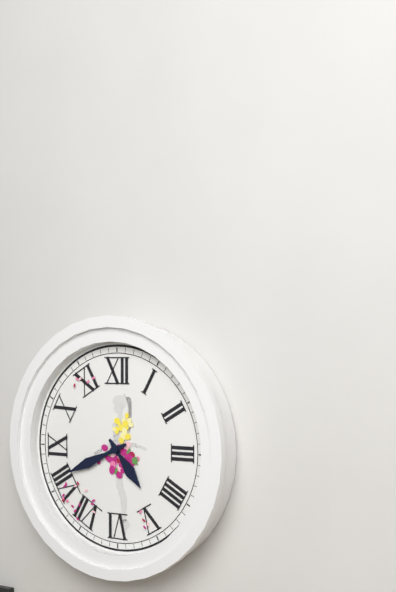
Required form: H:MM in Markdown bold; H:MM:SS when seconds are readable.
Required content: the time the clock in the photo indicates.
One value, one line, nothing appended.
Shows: **4:41**
